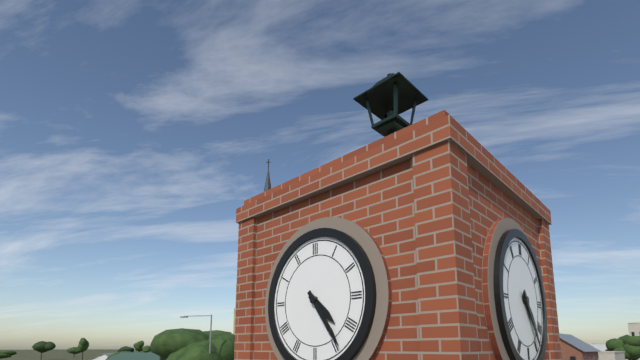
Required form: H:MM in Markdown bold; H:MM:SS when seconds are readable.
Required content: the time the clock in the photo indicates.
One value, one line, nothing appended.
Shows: **4:24**
